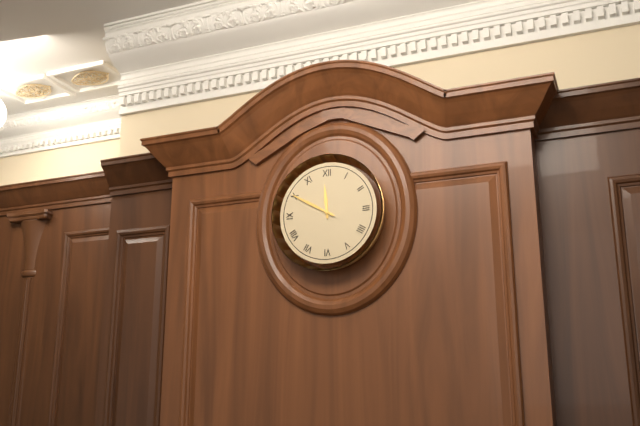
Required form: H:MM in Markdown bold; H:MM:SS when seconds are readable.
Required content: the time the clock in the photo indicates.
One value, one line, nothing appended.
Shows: **11:50**
